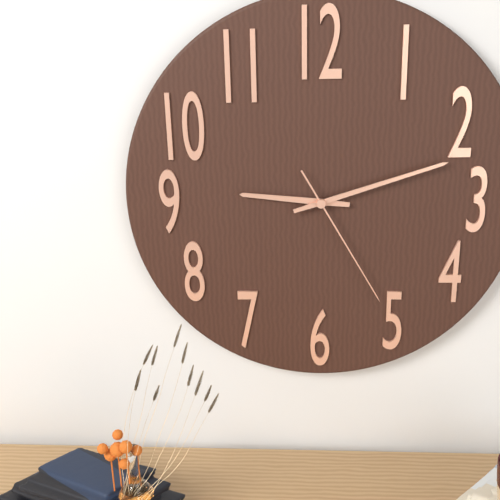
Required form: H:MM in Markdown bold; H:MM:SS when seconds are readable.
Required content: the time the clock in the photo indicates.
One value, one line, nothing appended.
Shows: **9:12:25**
